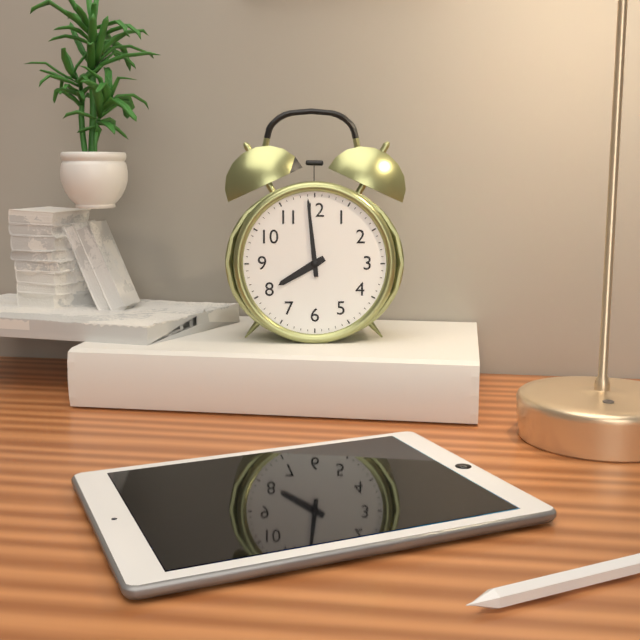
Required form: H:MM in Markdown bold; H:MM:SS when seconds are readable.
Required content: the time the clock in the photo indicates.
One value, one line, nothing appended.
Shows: **7:59**
